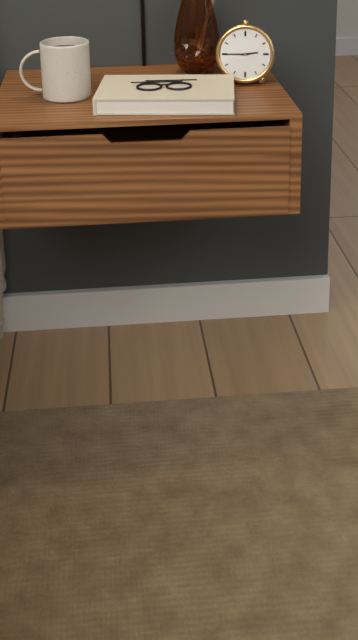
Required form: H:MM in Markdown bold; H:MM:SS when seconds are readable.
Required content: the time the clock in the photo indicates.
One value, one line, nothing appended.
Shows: **2:45**
